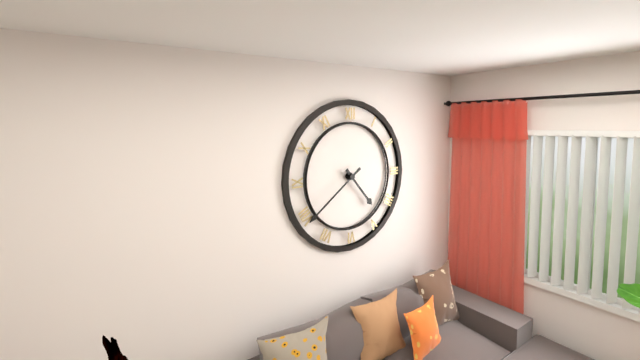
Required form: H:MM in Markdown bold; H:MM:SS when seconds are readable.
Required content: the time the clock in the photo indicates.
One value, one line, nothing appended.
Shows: **4:39**
